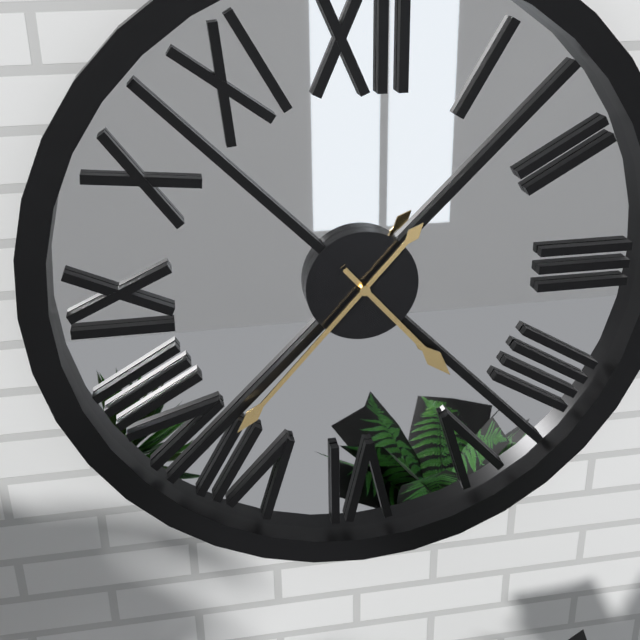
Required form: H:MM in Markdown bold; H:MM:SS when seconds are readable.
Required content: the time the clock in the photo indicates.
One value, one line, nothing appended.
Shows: **4:37**
